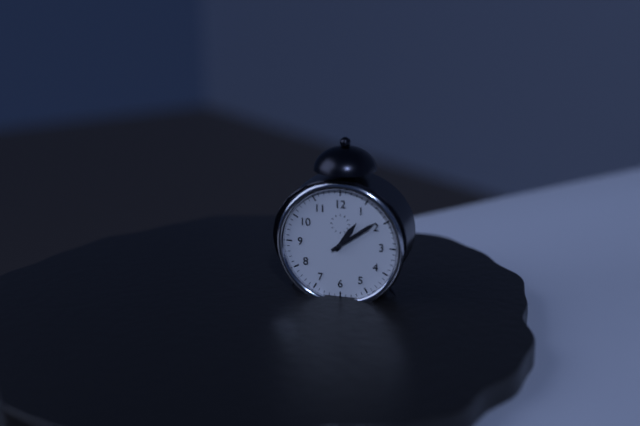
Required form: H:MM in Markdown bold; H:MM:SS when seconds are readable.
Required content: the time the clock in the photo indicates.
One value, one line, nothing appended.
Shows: **1:09**
